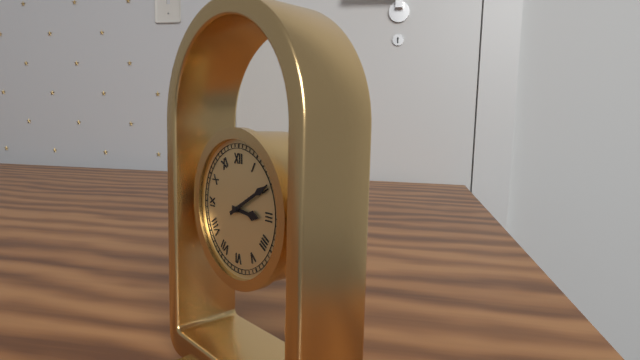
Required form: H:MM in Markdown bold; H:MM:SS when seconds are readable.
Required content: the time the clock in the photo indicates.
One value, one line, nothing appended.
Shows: **3:10**
